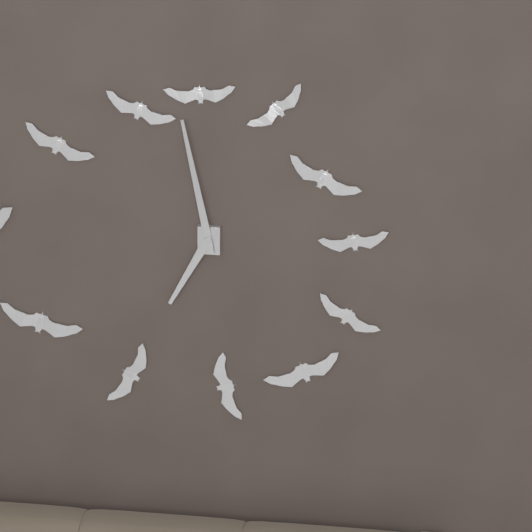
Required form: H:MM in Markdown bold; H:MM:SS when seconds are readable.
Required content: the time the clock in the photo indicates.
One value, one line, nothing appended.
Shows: **6:58**
